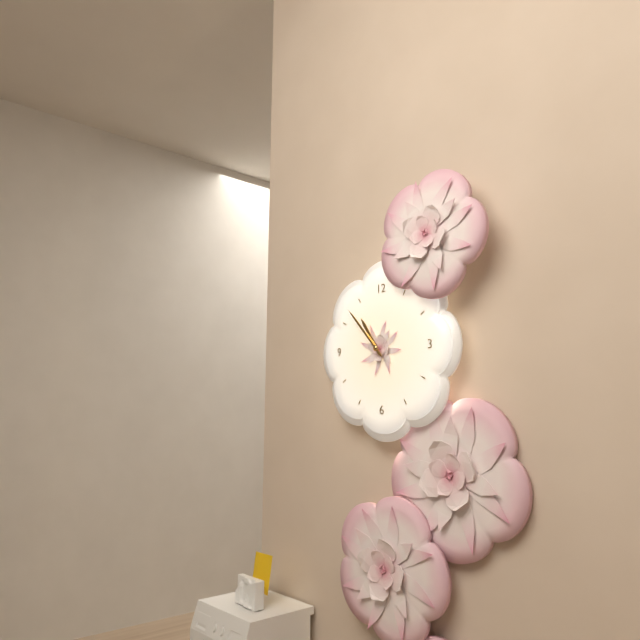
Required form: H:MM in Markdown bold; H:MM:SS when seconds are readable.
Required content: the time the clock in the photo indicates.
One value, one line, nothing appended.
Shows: **10:53**
